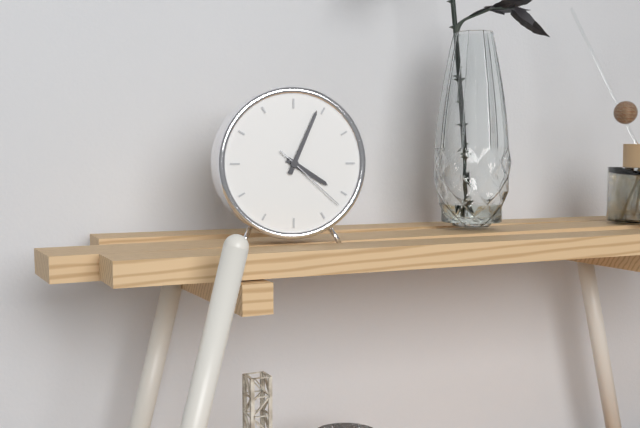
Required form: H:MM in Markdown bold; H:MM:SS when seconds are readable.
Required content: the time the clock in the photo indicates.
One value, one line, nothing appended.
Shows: **4:04:22**
